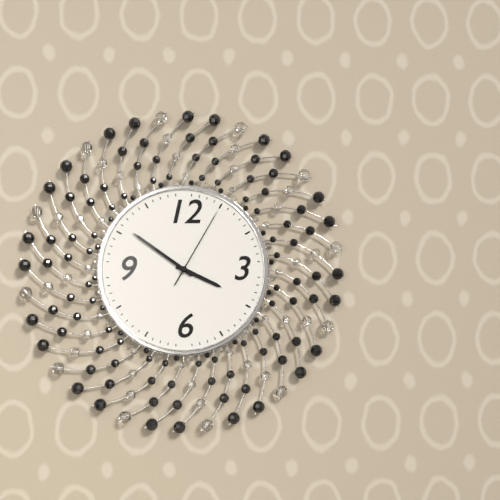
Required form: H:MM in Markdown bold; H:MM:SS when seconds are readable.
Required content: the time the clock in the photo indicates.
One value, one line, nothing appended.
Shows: **3:51:05**
